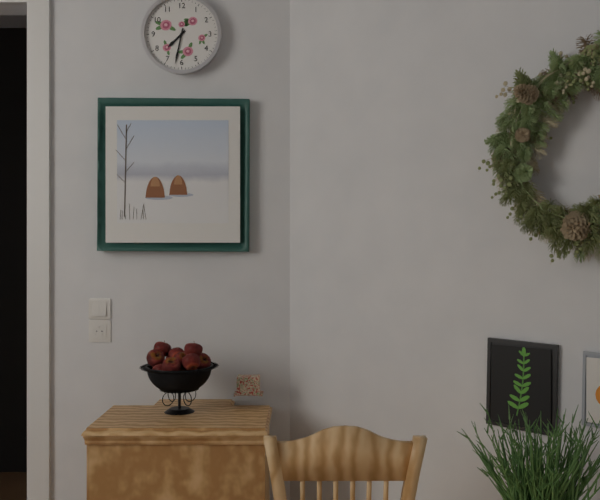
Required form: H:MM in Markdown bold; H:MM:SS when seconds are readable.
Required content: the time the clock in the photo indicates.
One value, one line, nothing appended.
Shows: **7:32**
